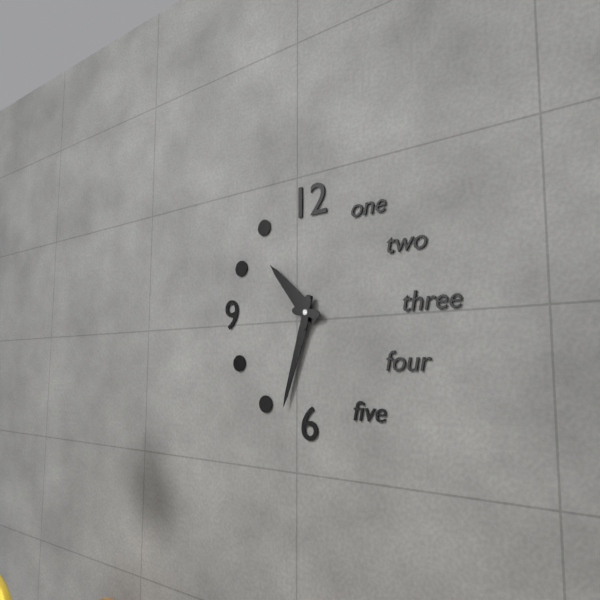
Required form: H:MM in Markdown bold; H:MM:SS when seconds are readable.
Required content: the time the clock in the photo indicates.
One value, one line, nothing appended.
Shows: **10:33**
